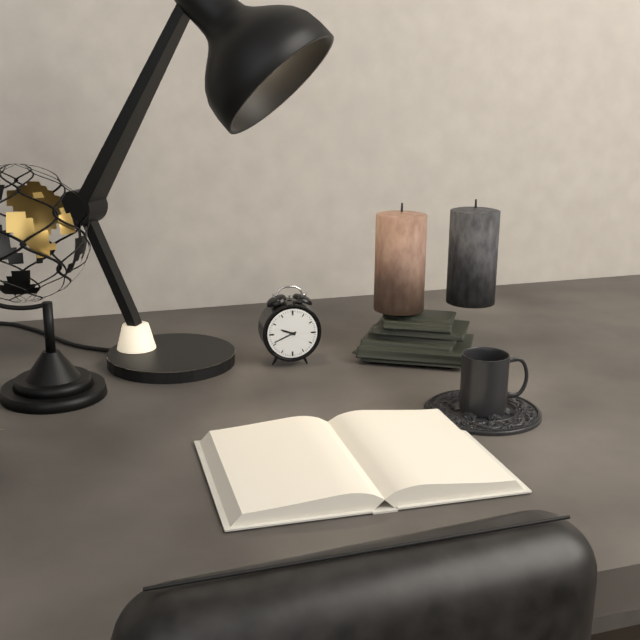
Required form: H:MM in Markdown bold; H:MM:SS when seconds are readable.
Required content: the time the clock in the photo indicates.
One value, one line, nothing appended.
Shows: **9:41**
